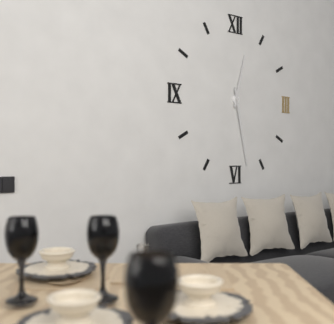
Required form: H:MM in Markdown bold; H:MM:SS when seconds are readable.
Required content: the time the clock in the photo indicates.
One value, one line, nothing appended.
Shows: **12:28**
